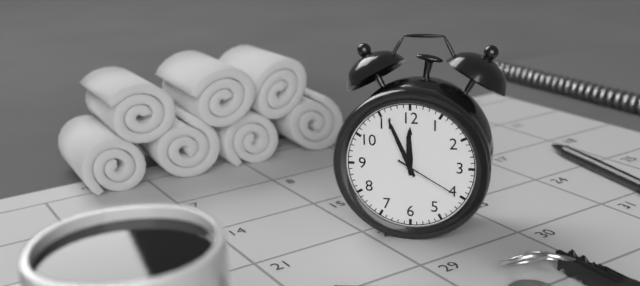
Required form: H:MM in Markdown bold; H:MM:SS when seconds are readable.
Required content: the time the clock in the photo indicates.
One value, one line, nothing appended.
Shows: **11:56:20**
